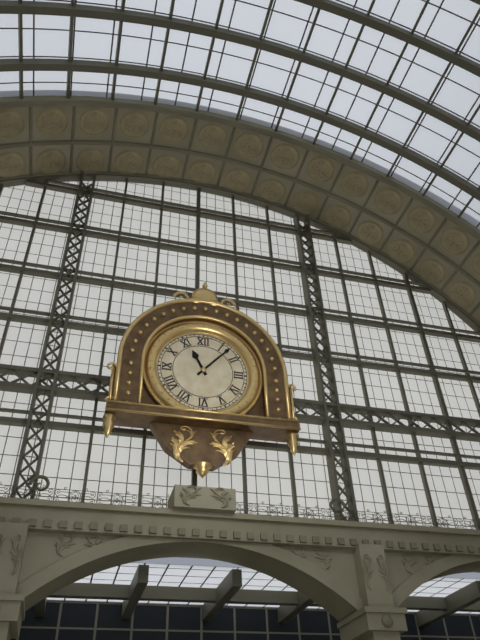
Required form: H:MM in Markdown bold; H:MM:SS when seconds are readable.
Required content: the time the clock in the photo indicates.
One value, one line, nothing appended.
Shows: **11:07**
